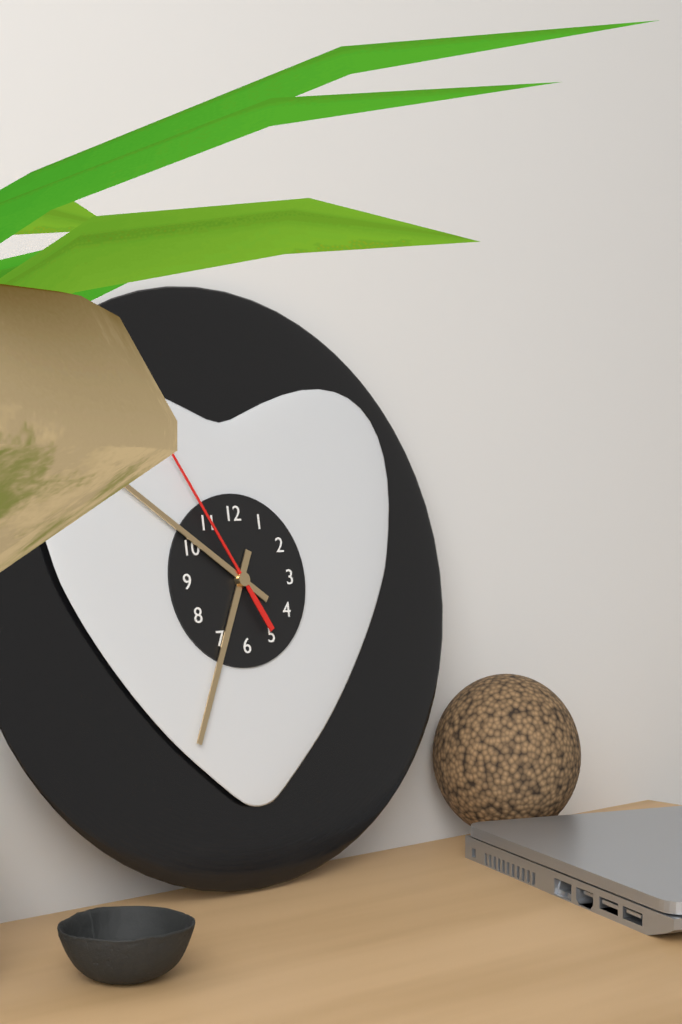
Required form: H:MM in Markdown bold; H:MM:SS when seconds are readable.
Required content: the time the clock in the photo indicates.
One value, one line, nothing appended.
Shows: **6:51:55**
